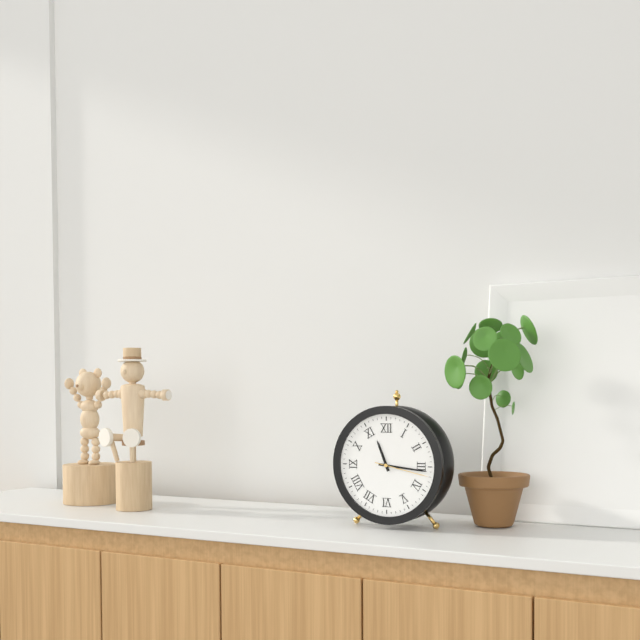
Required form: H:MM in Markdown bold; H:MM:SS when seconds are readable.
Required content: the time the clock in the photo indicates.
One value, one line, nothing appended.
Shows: **11:16:17**
